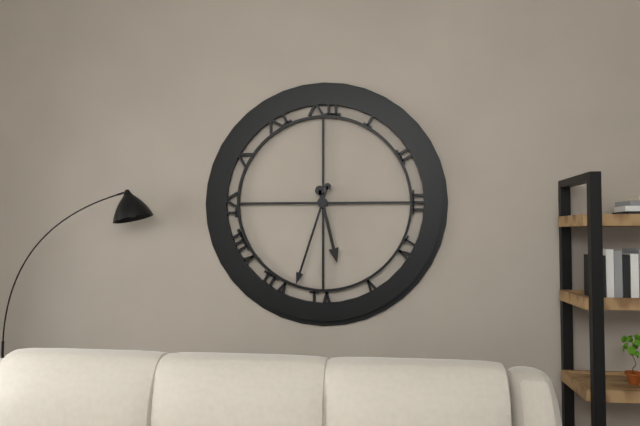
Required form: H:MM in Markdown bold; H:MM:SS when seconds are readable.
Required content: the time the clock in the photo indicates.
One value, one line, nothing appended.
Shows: **5:33**
